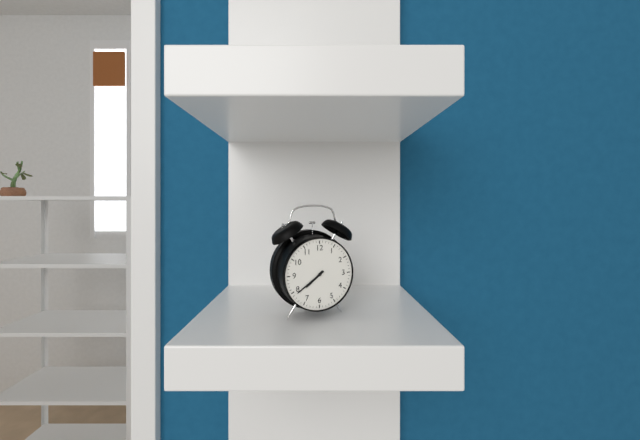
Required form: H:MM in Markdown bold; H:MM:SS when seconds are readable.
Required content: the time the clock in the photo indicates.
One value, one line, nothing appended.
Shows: **7:39**
